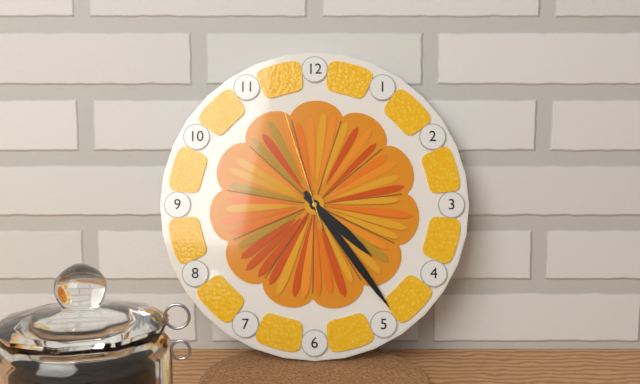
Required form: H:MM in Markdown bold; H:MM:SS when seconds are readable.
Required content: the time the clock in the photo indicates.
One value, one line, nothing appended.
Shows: **4:24:57**
